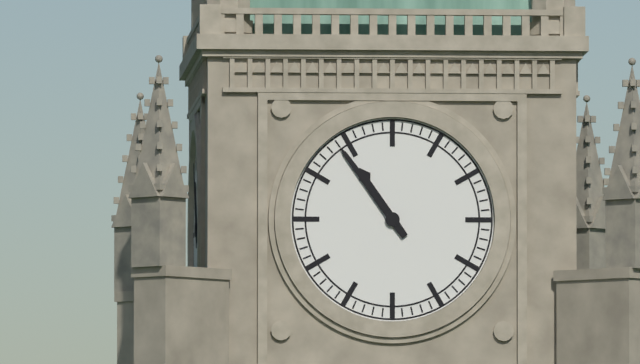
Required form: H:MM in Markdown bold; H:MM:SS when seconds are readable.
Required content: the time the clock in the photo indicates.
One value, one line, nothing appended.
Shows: **10:54**
